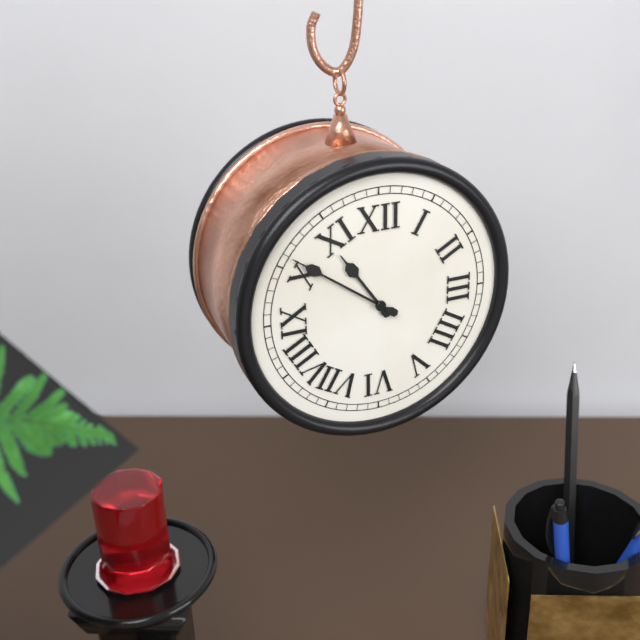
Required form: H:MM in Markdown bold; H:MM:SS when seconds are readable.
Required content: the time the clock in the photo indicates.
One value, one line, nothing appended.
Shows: **10:51**
